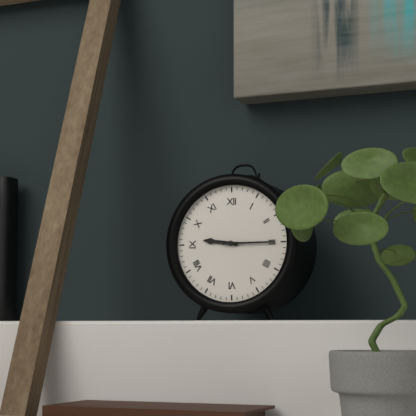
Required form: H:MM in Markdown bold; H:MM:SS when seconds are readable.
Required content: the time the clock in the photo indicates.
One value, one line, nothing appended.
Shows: **9:15**
